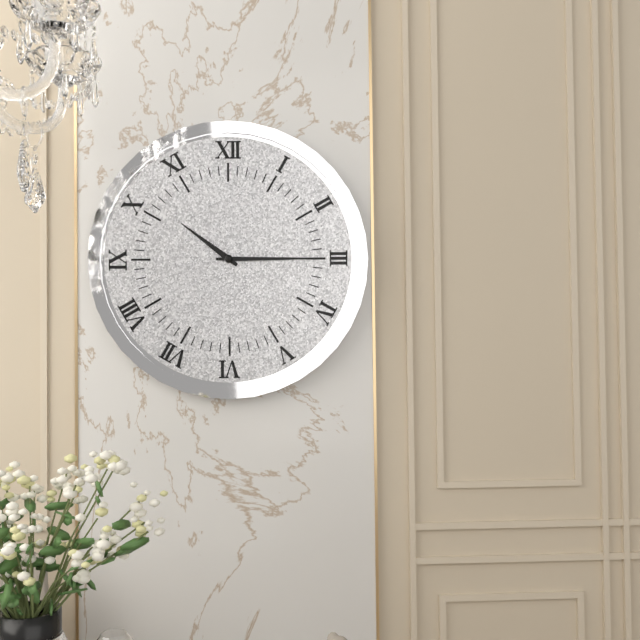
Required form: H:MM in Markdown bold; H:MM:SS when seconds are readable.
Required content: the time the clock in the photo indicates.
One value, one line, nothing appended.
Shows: **10:15**
